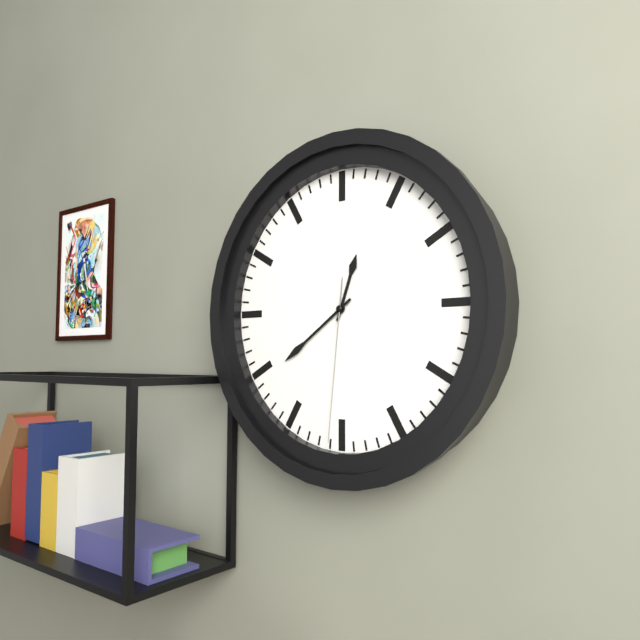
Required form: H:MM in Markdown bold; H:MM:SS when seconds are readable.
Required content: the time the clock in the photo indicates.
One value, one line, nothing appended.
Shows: **12:39:31**
